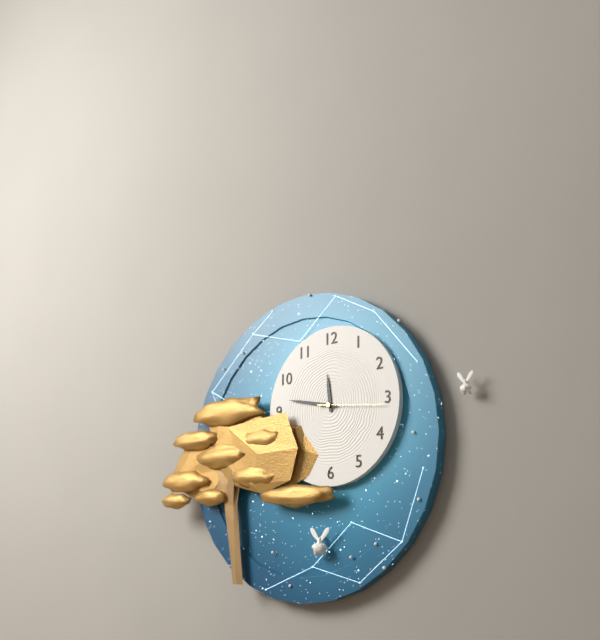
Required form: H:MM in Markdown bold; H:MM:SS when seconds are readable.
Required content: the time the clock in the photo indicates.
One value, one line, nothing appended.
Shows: **11:47:16**
